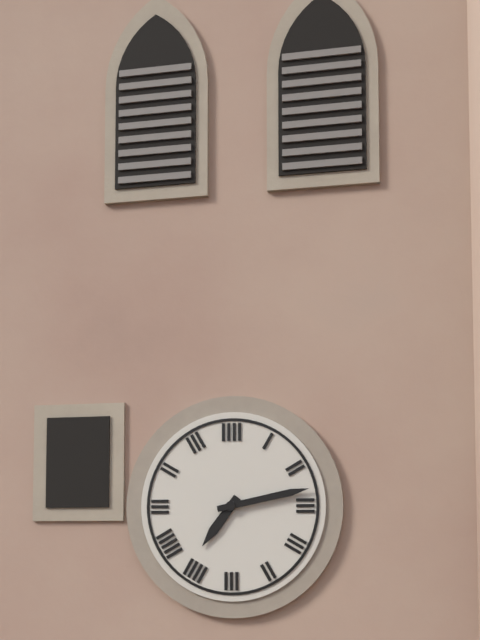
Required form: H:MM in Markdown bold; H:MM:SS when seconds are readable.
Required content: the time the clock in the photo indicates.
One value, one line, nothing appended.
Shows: **7:13**
